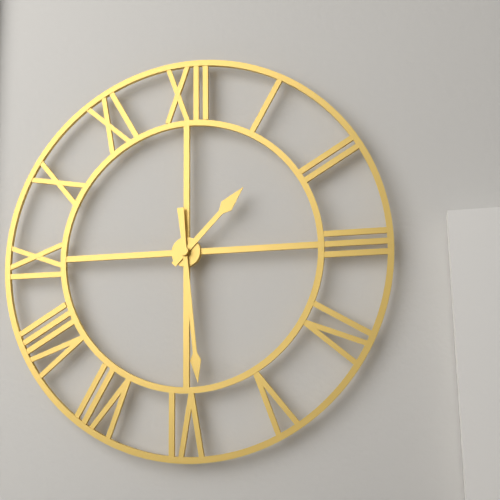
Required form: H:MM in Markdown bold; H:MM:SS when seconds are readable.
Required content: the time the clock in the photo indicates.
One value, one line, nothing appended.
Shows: **1:29**
